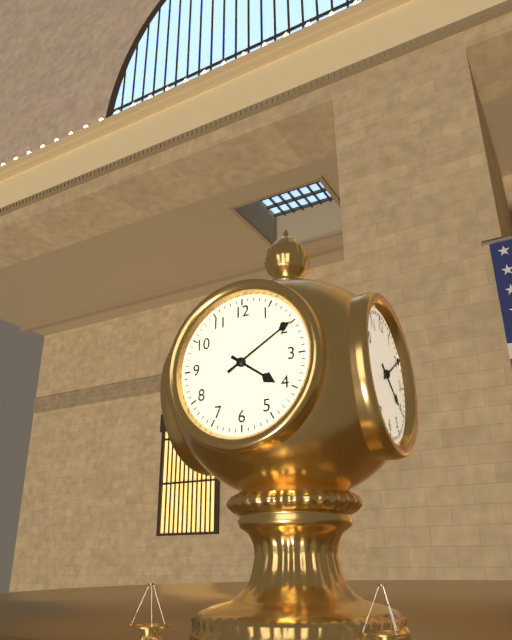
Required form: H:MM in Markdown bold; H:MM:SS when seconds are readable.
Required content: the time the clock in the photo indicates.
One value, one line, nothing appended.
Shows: **4:10**
